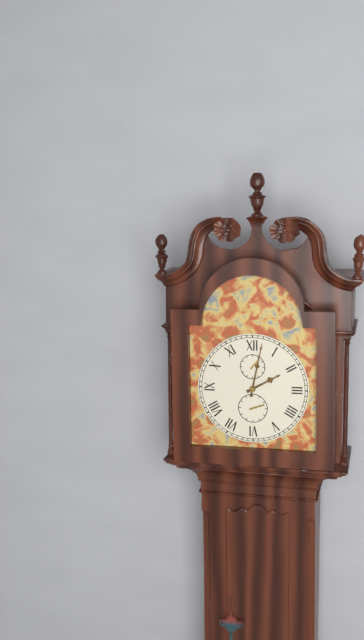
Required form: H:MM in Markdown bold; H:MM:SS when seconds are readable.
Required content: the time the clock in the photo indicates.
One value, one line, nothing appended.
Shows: **2:02**
